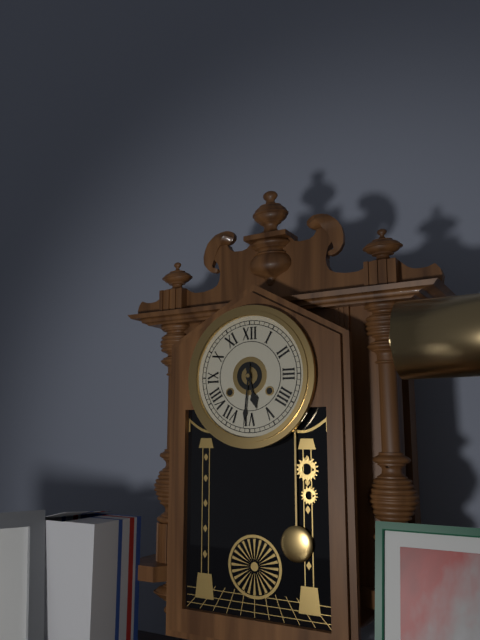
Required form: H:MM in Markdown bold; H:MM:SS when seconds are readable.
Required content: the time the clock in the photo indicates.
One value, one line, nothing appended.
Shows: **5:31**
